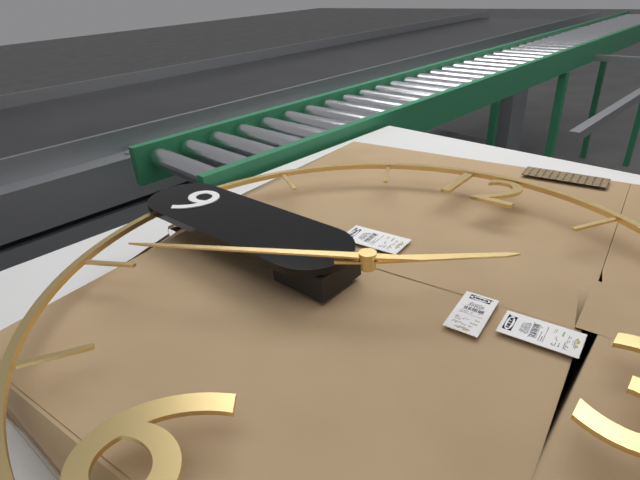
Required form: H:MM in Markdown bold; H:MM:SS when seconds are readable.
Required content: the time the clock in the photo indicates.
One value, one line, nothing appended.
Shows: **1:40**
